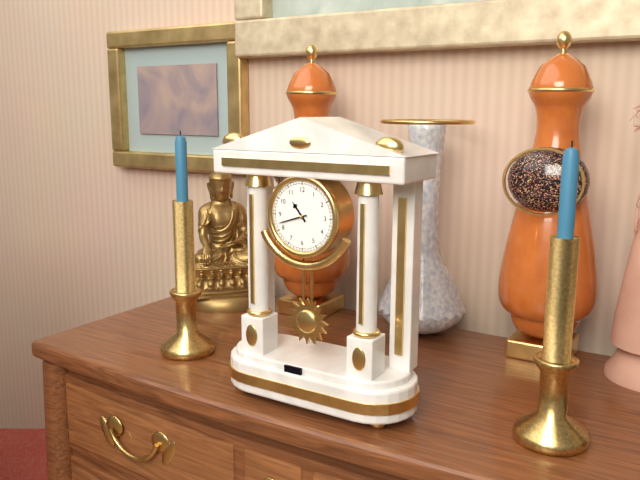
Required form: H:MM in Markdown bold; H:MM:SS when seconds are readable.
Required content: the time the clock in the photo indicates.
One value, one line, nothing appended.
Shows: **10:42**
